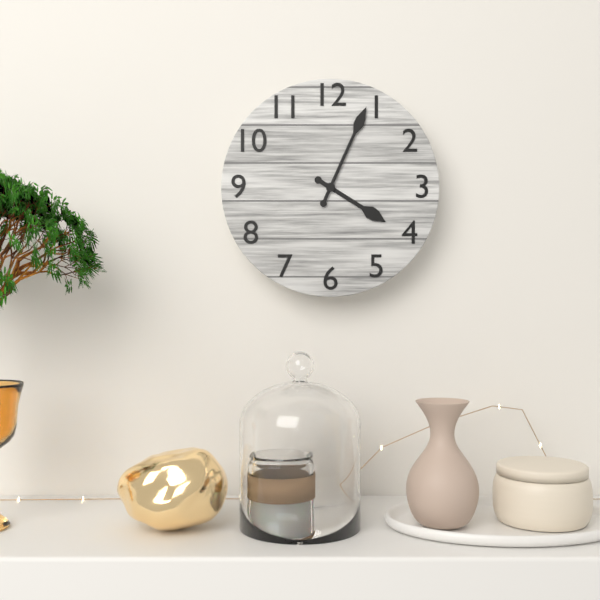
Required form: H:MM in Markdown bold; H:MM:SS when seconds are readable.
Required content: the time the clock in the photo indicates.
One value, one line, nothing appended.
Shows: **4:04**
